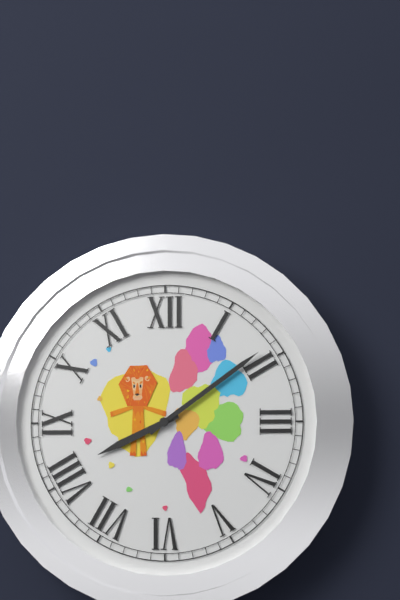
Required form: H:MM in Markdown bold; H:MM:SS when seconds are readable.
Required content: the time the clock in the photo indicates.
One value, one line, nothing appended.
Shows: **8:09**
